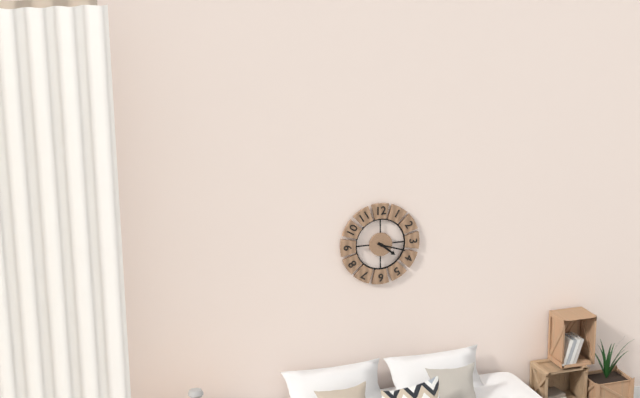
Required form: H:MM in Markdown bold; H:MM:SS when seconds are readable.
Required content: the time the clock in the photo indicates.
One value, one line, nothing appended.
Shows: **4:18**
